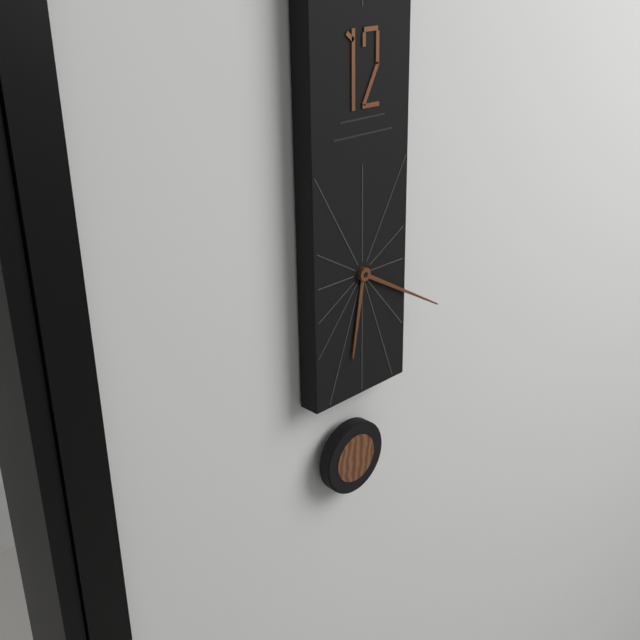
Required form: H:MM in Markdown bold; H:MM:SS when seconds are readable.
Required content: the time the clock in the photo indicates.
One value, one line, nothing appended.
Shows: **6:20**
